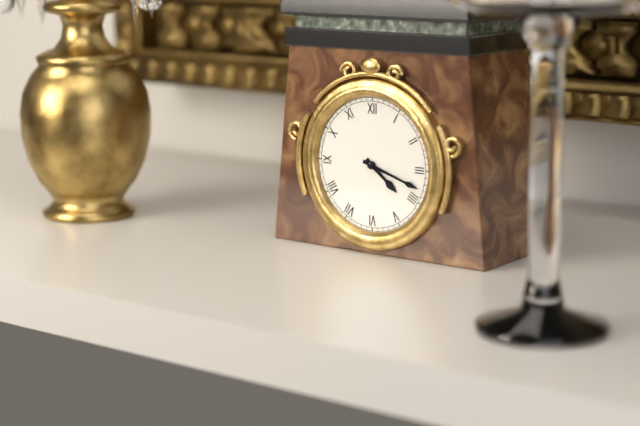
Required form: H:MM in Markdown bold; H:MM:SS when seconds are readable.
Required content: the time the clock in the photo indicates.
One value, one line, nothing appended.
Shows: **4:18**
